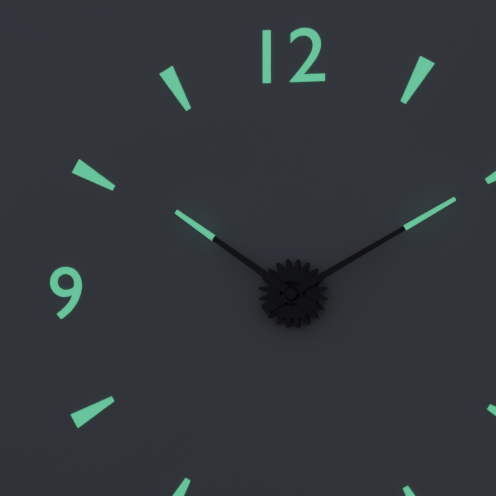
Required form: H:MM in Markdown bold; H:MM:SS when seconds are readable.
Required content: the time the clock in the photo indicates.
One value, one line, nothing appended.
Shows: **10:10**
